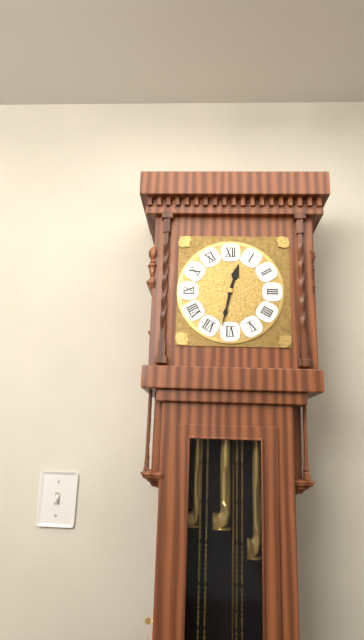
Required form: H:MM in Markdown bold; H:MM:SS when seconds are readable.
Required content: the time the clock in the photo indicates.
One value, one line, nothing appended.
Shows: **12:32**
